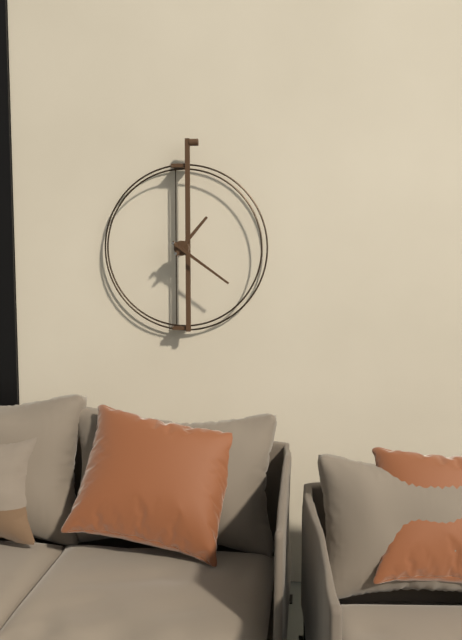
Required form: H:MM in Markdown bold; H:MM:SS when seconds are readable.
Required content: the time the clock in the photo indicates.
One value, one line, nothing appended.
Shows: **1:21**
